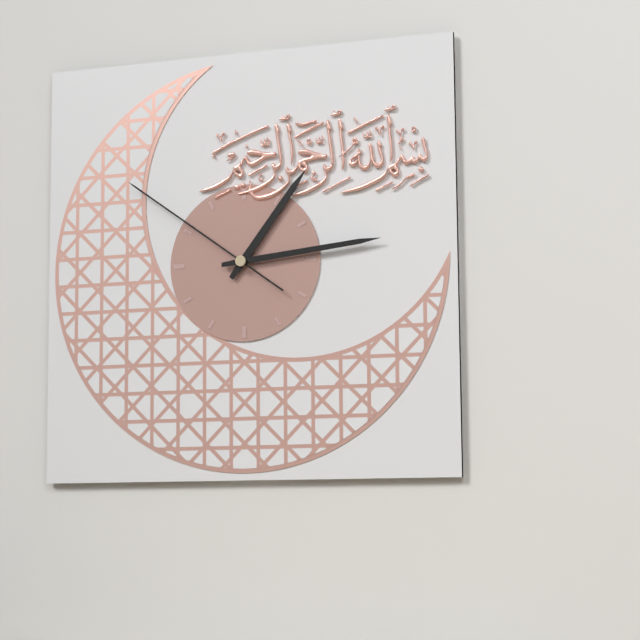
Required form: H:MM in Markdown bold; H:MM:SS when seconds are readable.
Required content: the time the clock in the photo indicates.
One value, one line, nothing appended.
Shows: **1:14:51**
